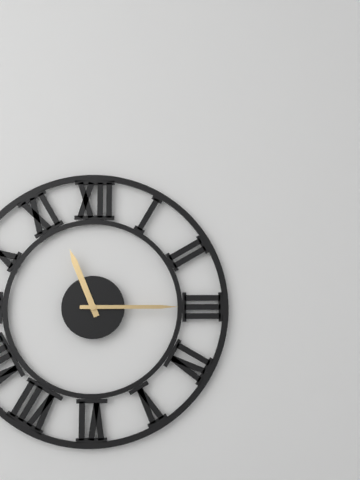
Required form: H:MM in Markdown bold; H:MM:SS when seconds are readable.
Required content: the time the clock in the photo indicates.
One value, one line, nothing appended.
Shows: **11:15**
